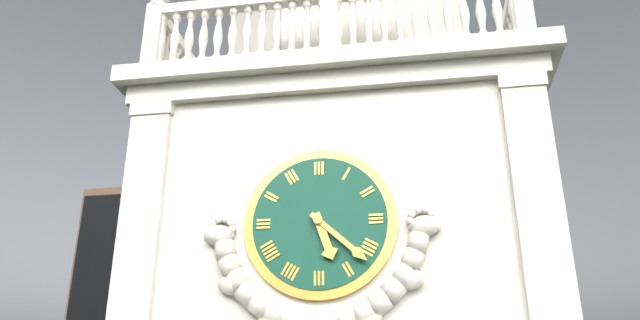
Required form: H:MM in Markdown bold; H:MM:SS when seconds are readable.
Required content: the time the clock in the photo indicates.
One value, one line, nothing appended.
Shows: **5:22**
